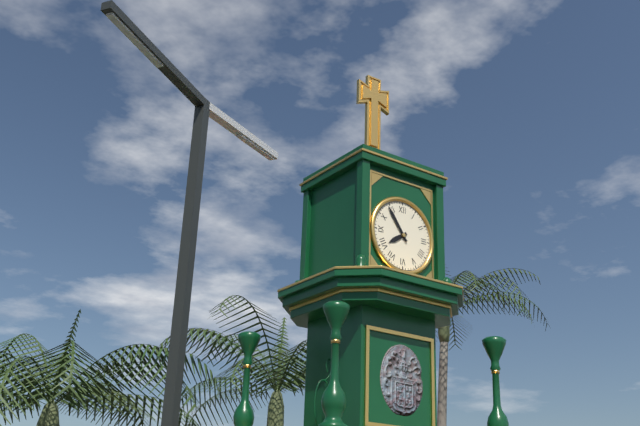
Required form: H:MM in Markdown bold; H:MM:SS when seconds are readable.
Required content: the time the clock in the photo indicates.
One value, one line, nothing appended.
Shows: **7:54**
